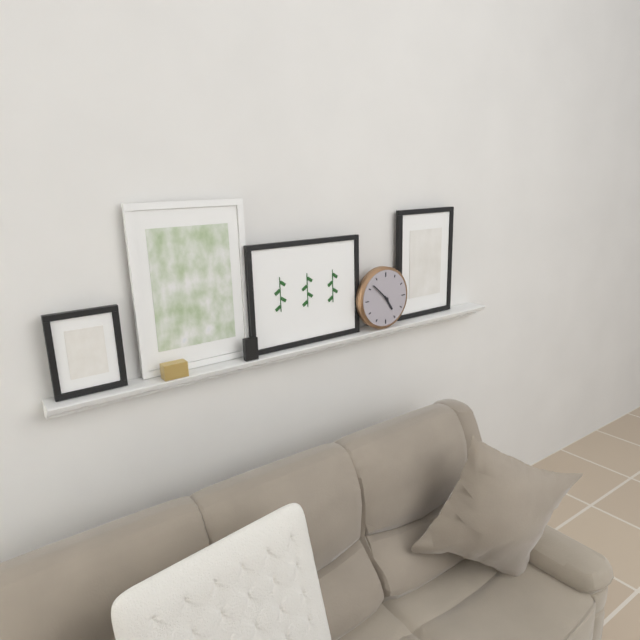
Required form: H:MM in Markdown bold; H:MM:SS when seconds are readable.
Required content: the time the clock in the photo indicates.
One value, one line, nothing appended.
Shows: **4:52**
